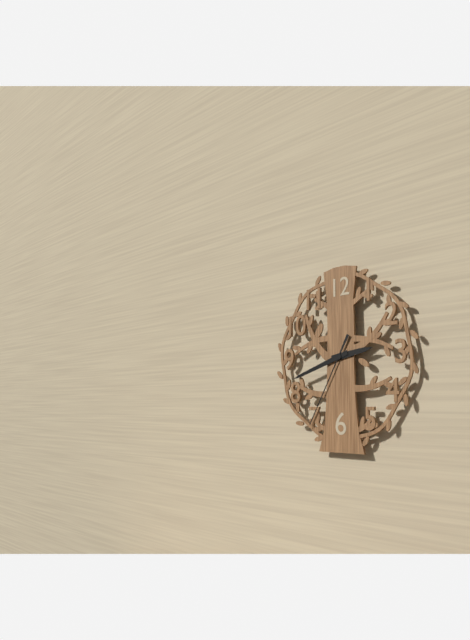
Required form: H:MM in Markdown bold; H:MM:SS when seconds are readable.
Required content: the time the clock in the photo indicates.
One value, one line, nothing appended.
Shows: **2:42:35**
